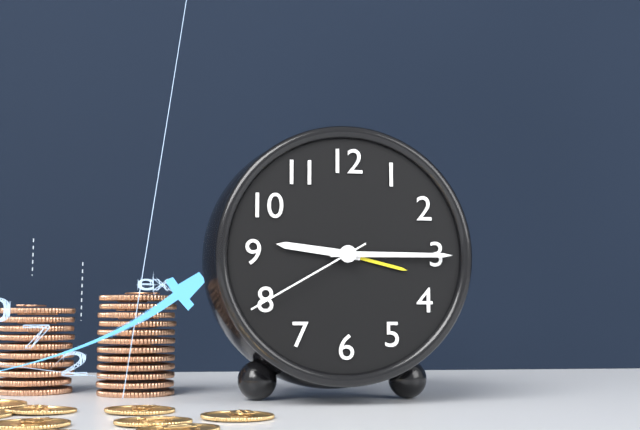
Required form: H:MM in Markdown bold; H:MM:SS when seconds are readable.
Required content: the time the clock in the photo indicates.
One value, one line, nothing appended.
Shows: **9:15:40**
